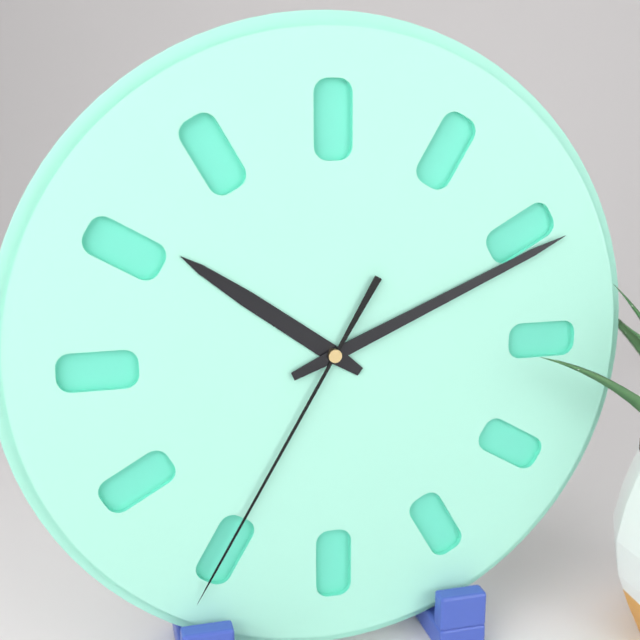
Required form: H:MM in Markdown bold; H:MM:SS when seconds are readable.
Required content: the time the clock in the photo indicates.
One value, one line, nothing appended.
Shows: **10:11:35**
